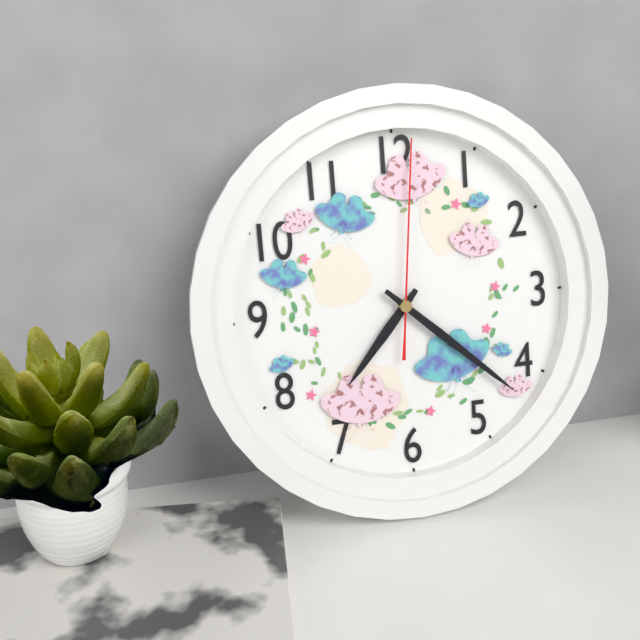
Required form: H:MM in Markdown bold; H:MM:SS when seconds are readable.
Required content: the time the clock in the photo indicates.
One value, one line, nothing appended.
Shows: **7:22:01**
